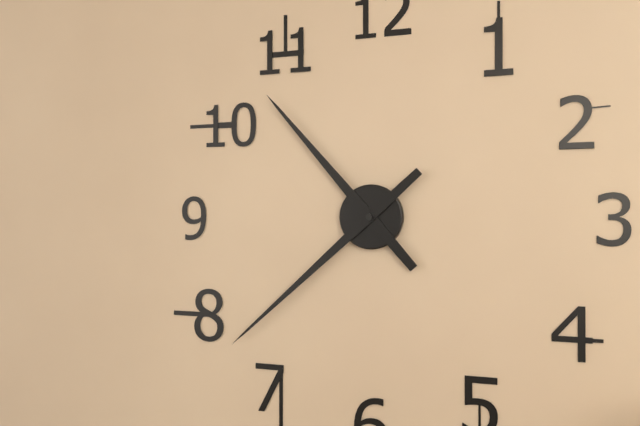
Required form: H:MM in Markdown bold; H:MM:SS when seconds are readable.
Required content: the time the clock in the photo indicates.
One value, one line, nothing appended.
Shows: **10:38**
